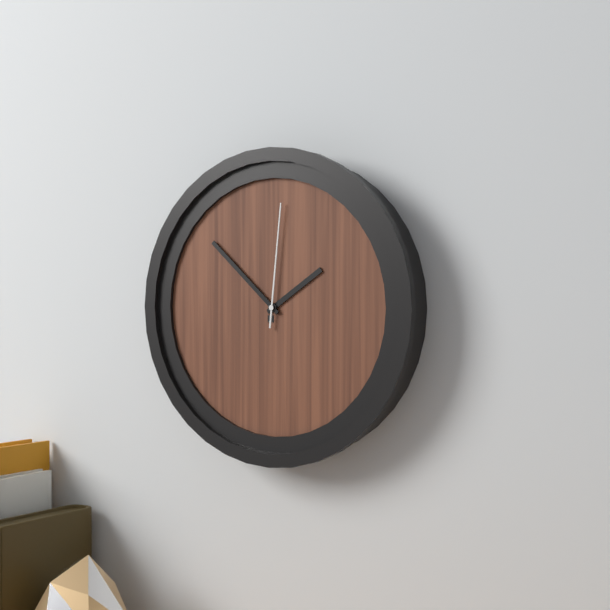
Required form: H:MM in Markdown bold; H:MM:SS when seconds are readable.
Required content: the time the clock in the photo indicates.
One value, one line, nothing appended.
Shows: **1:52:01**
